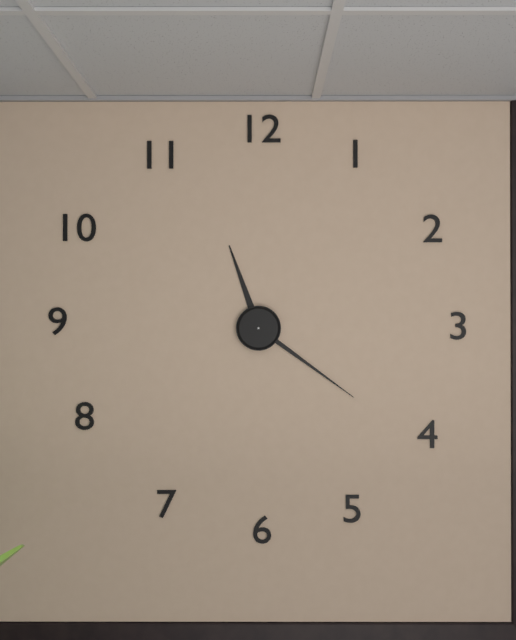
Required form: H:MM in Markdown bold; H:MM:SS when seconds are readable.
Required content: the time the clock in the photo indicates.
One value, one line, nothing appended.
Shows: **11:21**
